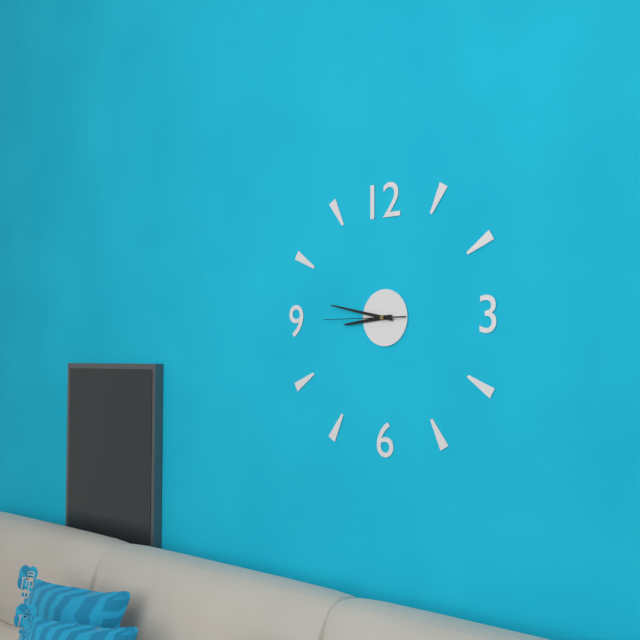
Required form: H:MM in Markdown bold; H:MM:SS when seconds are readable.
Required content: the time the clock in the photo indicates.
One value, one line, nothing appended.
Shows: **8:47:45**
